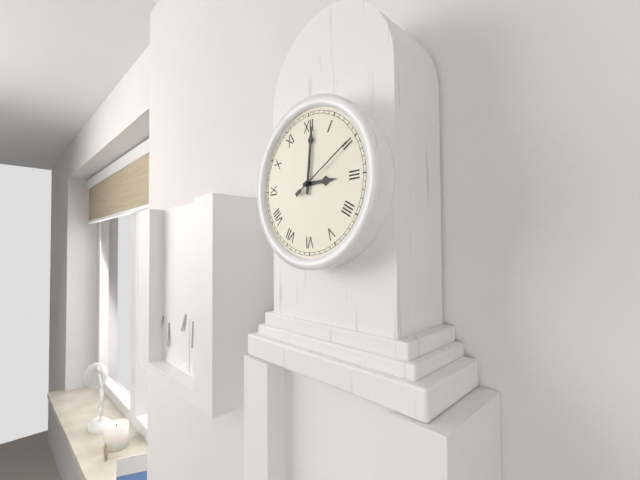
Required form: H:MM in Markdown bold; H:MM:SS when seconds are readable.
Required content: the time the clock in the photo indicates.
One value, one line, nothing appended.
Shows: **3:01:10**
